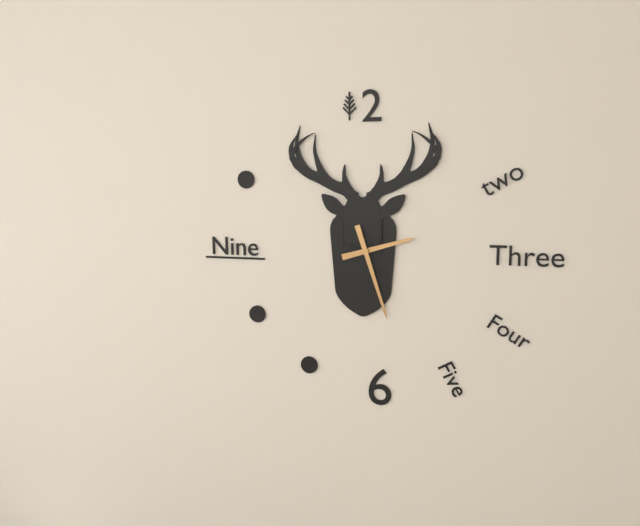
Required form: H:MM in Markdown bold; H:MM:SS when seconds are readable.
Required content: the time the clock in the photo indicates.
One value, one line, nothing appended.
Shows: **2:27**
